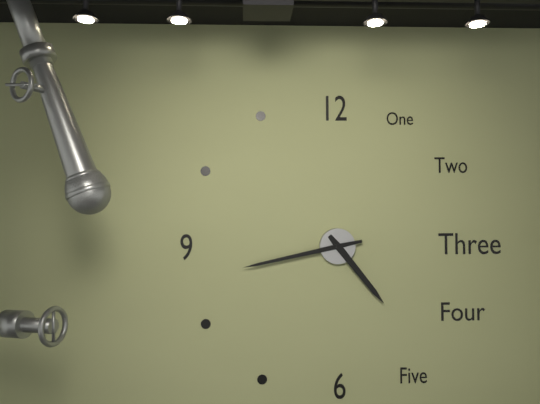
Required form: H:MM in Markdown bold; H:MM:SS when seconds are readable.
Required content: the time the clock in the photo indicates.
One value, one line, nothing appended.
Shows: **4:43**
